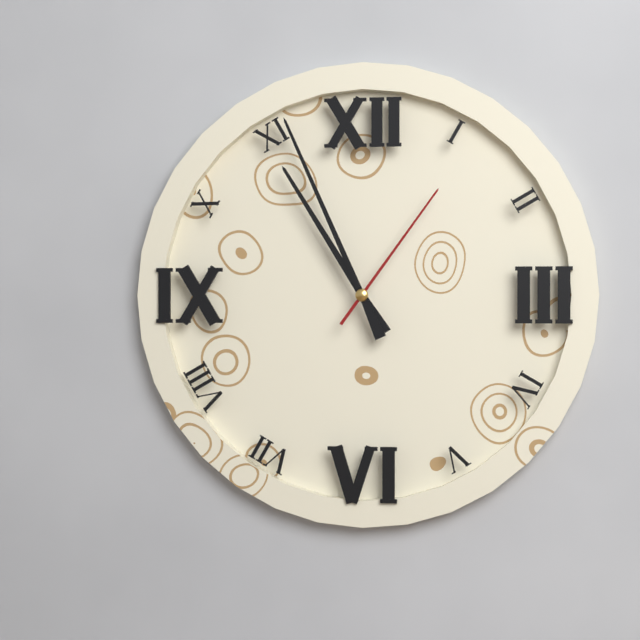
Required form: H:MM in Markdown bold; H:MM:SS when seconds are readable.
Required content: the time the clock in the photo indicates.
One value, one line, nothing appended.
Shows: **10:56:06**
